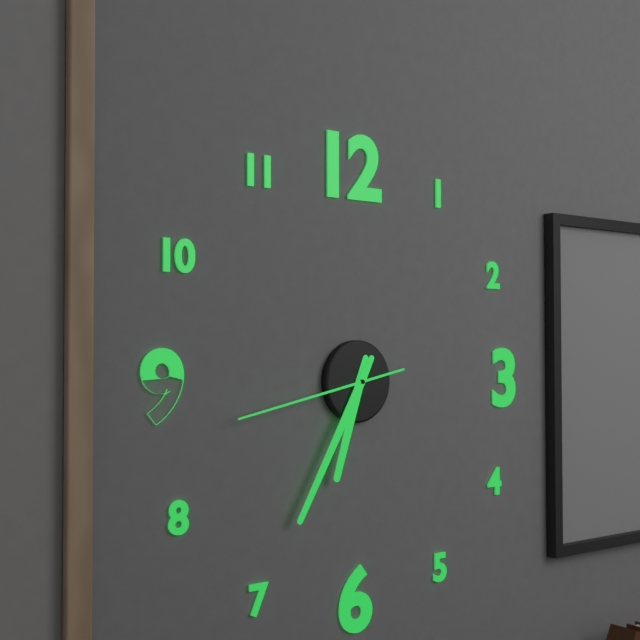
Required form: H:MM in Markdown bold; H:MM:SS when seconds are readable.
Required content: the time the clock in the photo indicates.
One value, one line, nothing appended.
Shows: **6:35:43**
